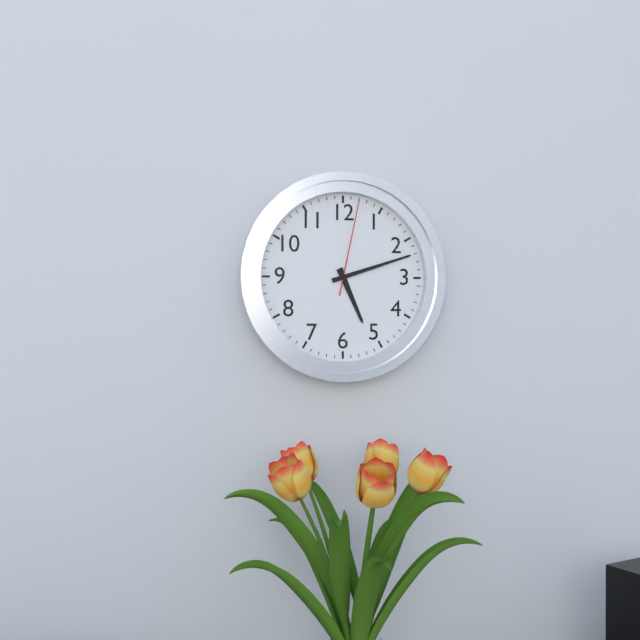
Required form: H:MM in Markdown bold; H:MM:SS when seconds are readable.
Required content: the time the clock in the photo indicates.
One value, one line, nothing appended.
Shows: **5:12:02**
